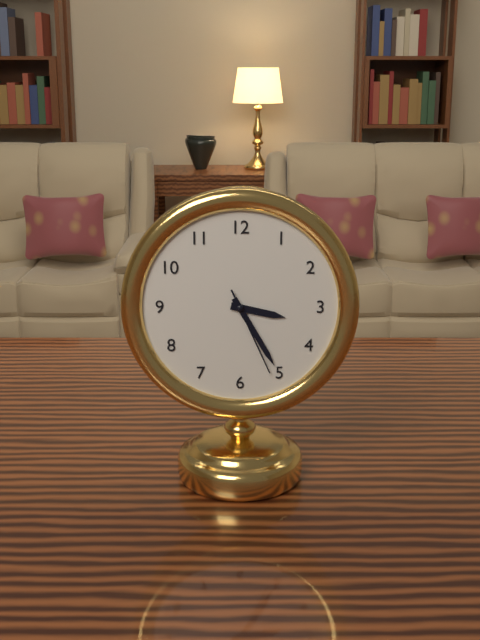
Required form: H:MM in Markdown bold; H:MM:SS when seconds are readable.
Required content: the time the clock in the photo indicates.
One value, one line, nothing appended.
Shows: **3:25:26**
